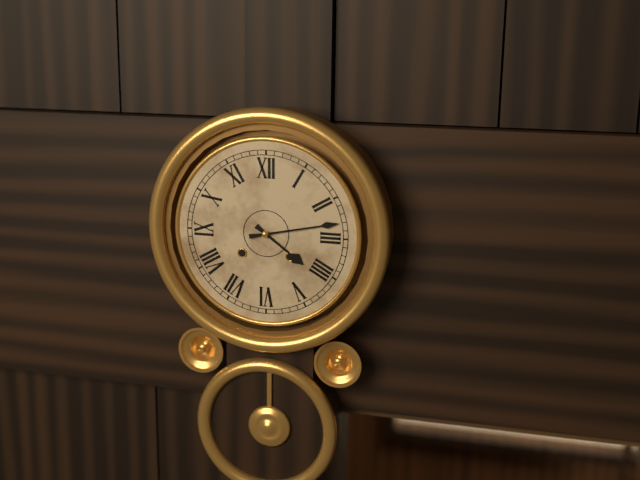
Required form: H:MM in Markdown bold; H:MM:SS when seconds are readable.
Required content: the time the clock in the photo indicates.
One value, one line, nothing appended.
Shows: **4:13**
